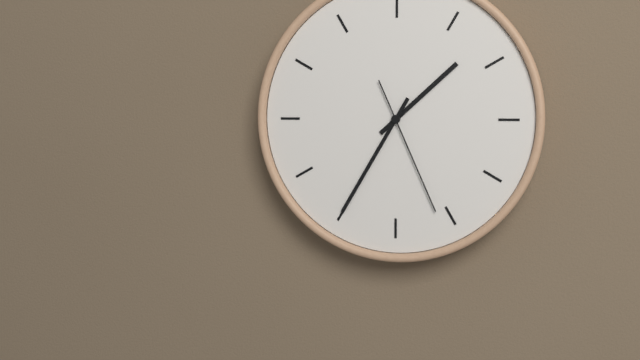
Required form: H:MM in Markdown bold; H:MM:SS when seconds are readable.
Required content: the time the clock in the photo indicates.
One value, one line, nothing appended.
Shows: **1:35:26**
